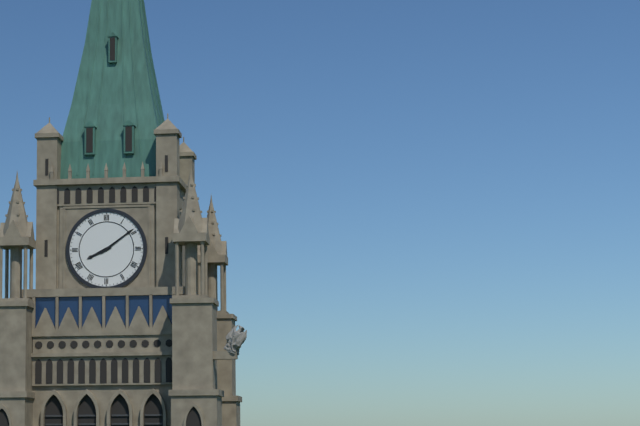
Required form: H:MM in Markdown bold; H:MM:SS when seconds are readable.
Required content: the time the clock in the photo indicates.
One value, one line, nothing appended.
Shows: **8:09**
